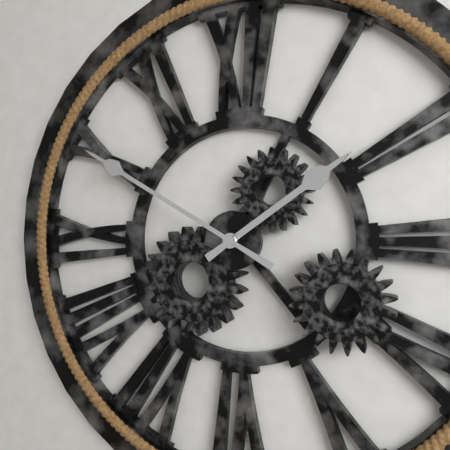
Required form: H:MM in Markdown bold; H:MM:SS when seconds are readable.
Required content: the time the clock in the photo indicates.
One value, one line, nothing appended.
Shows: **1:50**
